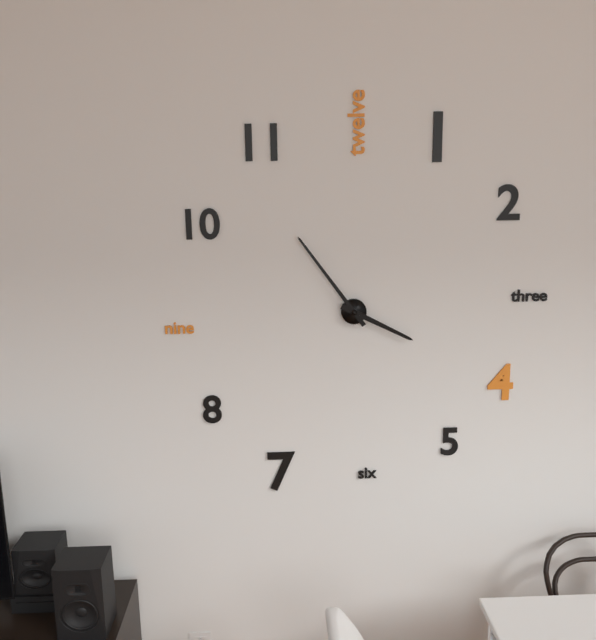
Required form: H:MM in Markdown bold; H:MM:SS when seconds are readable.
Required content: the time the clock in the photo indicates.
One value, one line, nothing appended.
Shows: **3:54**
